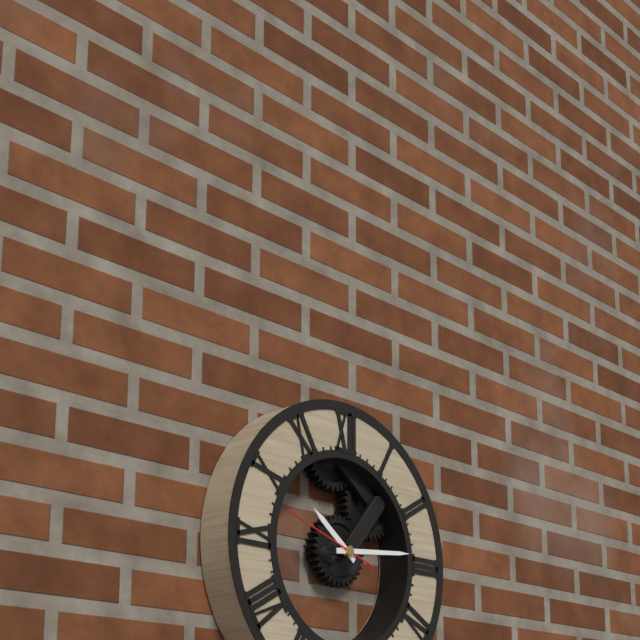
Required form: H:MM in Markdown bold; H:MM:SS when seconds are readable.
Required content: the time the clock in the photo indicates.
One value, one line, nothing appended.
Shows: **10:14:48**
